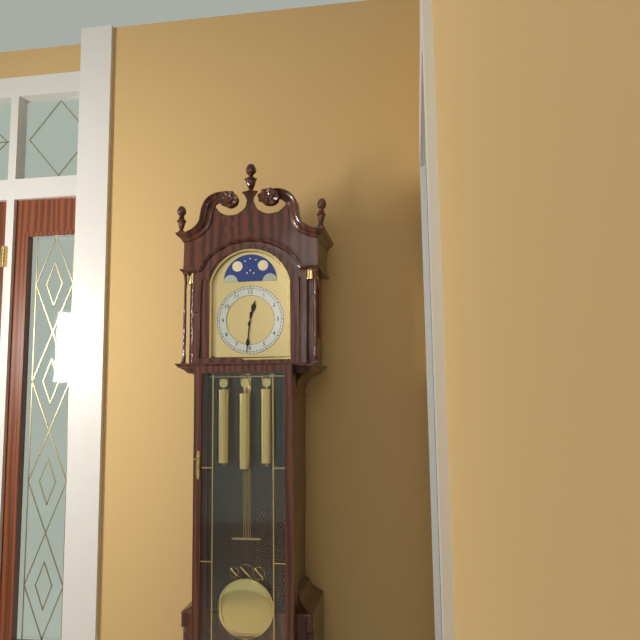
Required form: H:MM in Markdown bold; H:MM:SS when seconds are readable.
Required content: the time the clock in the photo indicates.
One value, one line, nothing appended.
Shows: **12:31**
